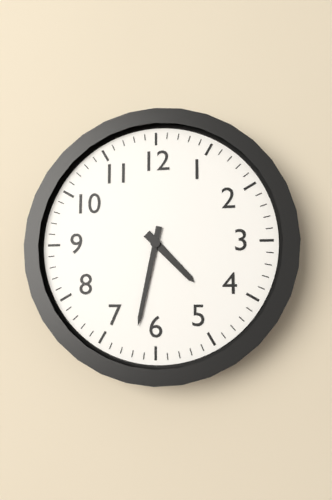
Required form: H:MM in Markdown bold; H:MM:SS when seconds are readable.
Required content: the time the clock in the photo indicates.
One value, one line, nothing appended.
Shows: **4:32**
